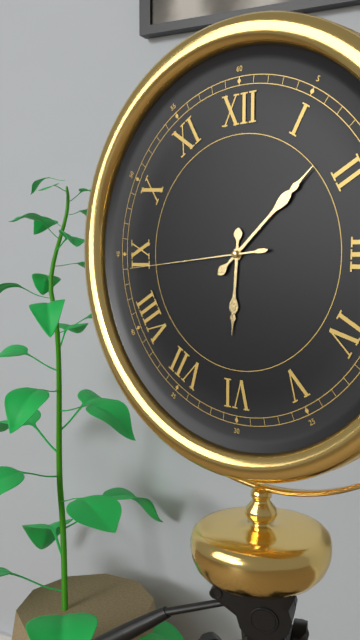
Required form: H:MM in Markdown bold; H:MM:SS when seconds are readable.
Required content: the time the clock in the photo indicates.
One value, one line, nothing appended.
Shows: **6:08:44**
